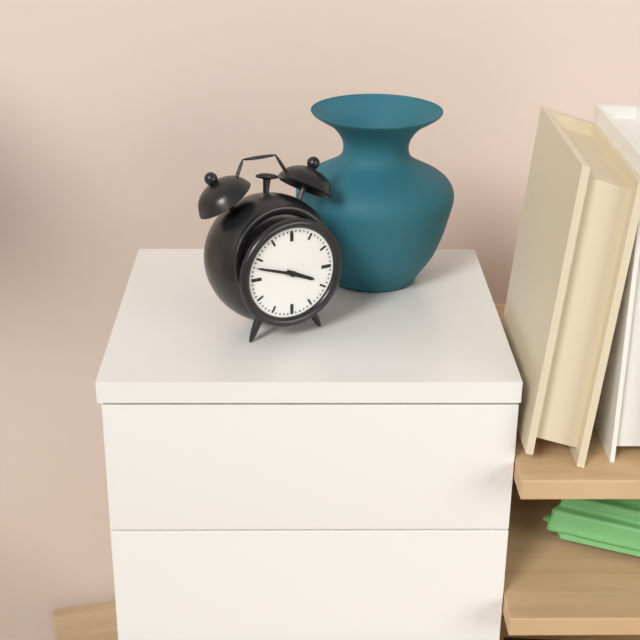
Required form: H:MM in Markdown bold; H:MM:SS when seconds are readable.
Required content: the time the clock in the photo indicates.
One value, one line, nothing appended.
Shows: **3:48**
